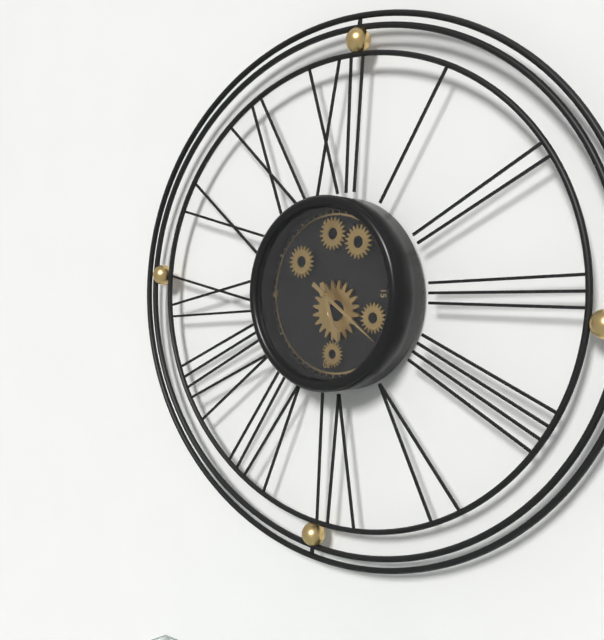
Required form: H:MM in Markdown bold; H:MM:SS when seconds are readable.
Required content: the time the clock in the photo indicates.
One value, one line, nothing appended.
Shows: **5:21**
